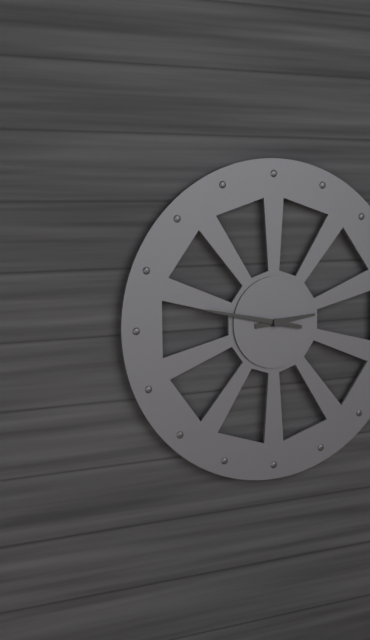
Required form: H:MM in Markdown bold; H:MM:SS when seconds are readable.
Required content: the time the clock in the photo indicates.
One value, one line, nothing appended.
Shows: **2:47**
